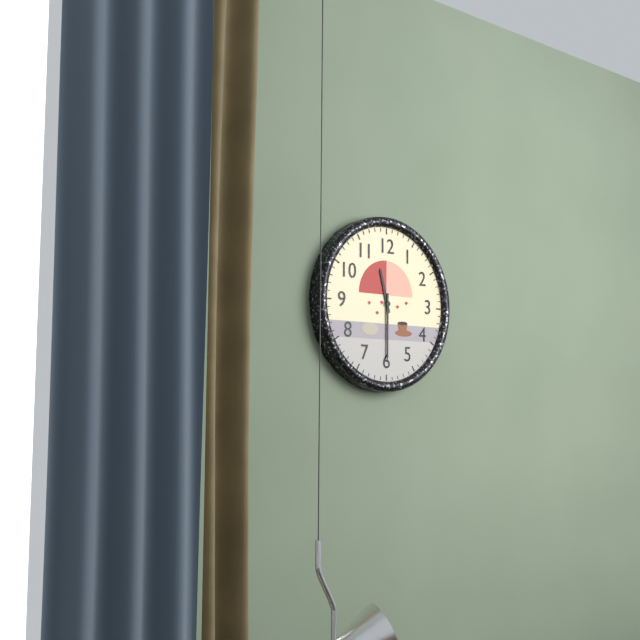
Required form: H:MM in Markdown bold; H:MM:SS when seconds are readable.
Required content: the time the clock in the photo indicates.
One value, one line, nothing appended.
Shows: **11:30**
